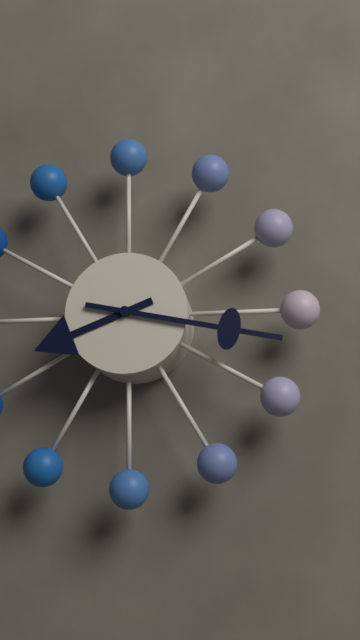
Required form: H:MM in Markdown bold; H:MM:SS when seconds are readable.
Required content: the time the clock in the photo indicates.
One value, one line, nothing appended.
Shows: **8:17**
